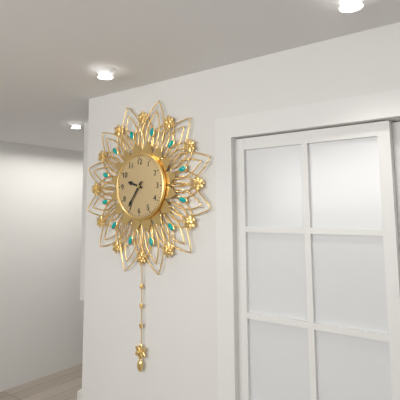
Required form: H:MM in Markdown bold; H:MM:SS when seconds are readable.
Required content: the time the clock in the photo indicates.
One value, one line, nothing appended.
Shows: **9:36**
